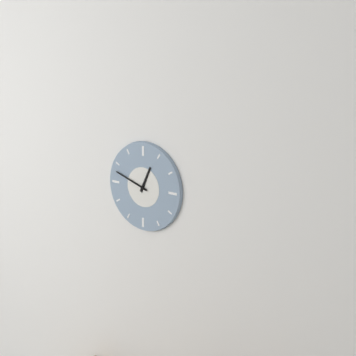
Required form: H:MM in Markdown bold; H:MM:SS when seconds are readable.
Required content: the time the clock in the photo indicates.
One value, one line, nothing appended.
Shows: **12:48**
